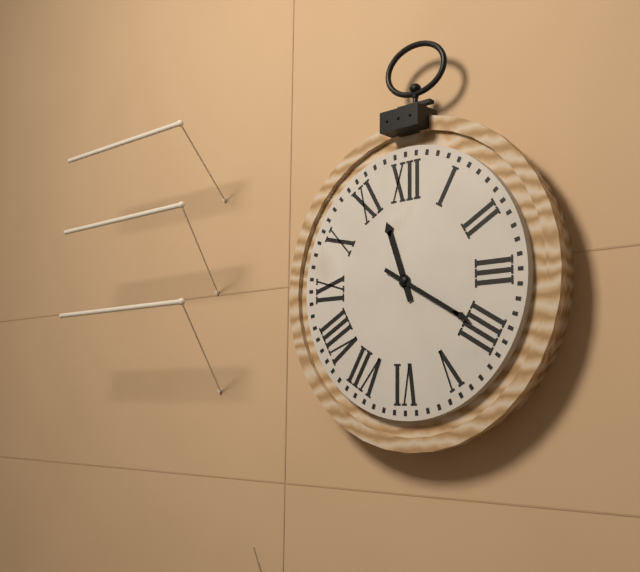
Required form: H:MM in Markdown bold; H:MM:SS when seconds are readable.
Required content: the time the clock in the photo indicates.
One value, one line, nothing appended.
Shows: **11:20**
